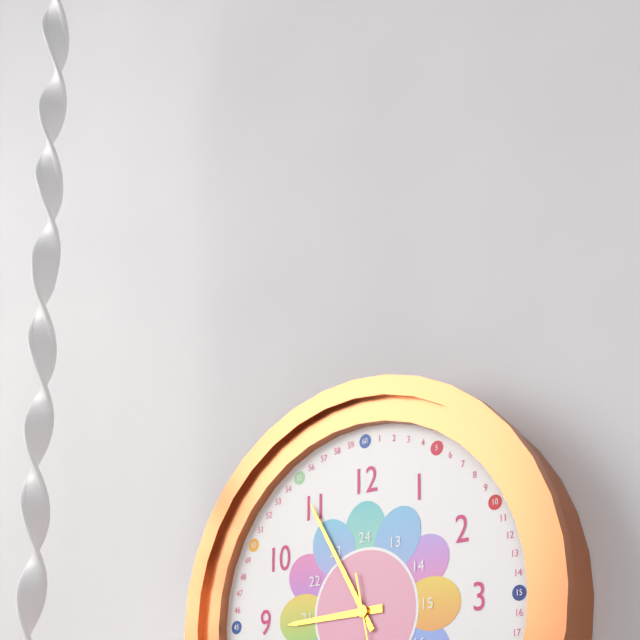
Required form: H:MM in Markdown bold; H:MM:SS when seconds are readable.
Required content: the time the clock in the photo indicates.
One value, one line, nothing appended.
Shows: **8:55**
